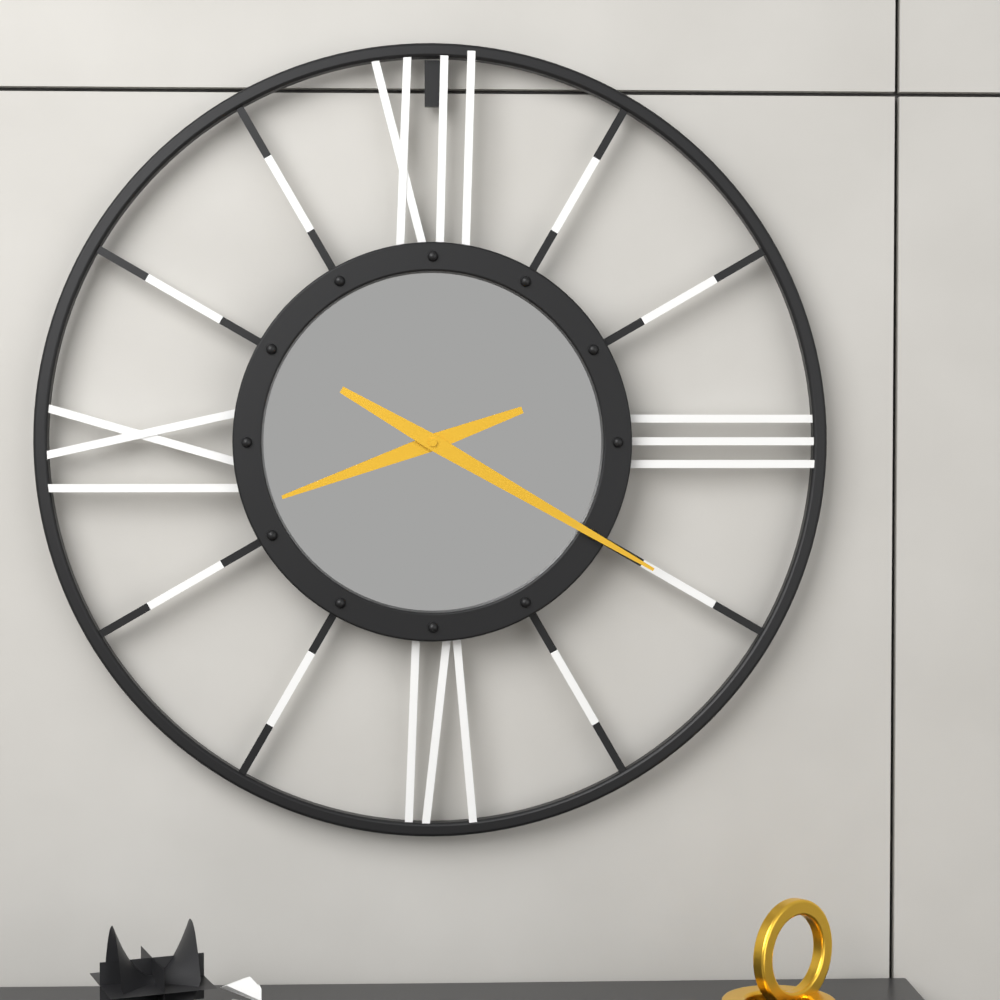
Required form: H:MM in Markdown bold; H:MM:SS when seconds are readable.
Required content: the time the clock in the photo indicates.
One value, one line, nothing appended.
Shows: **8:20**
